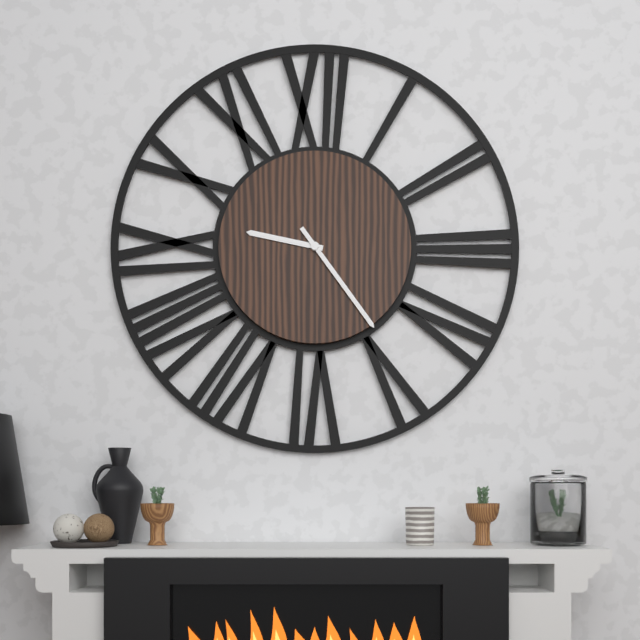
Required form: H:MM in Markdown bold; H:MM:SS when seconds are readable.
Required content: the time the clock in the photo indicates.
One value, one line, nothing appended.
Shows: **9:24**
